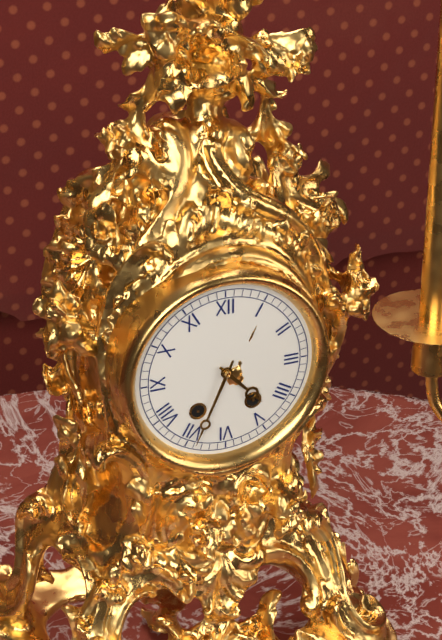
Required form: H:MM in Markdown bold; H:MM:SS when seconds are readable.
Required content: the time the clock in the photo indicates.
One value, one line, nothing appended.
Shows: **4:34**
